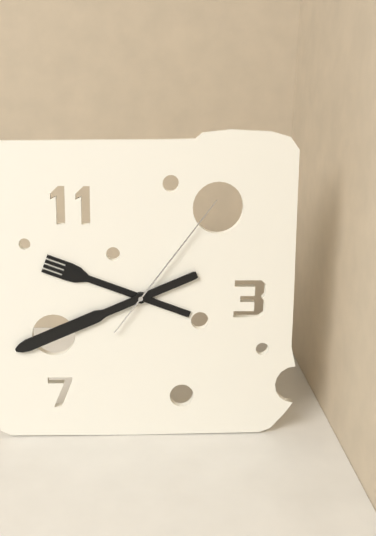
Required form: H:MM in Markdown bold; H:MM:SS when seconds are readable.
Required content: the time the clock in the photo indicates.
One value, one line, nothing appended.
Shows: **9:41:06**
